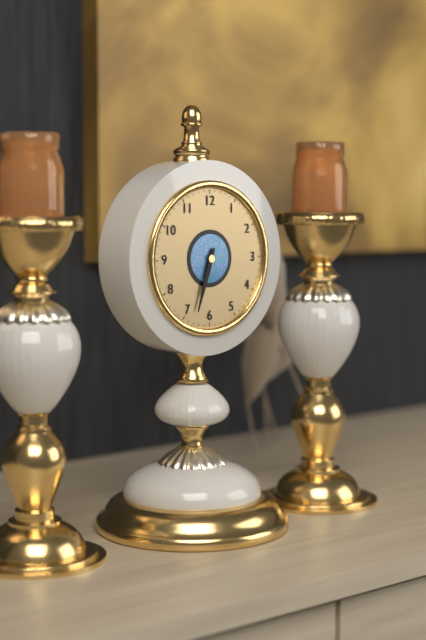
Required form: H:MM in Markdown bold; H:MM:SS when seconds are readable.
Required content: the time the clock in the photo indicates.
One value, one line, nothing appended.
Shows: **6:33**
